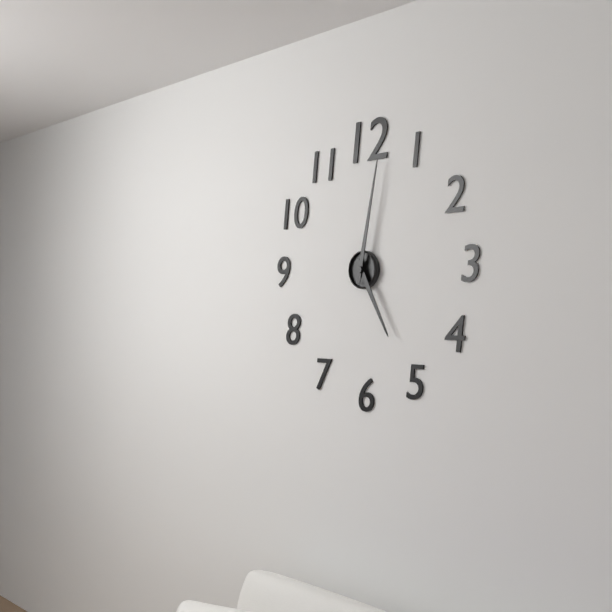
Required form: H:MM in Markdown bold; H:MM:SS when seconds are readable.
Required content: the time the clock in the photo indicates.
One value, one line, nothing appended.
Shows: **5:02**
